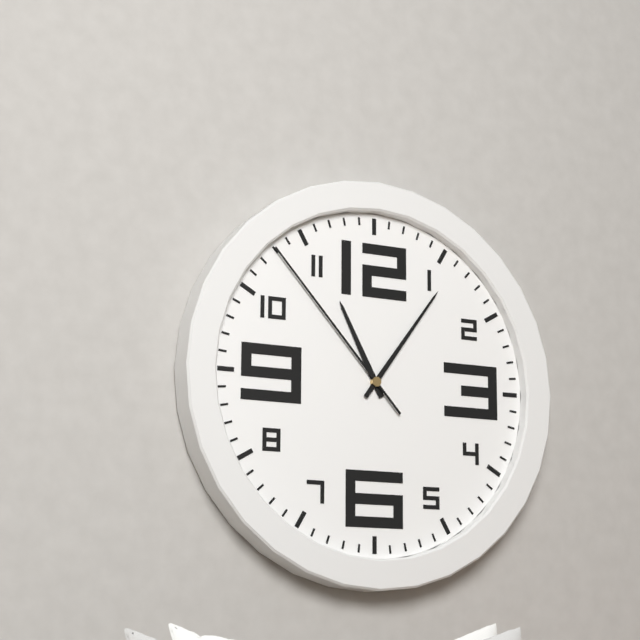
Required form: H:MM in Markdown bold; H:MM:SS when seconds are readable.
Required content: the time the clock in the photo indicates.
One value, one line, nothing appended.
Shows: **11:06:53**
